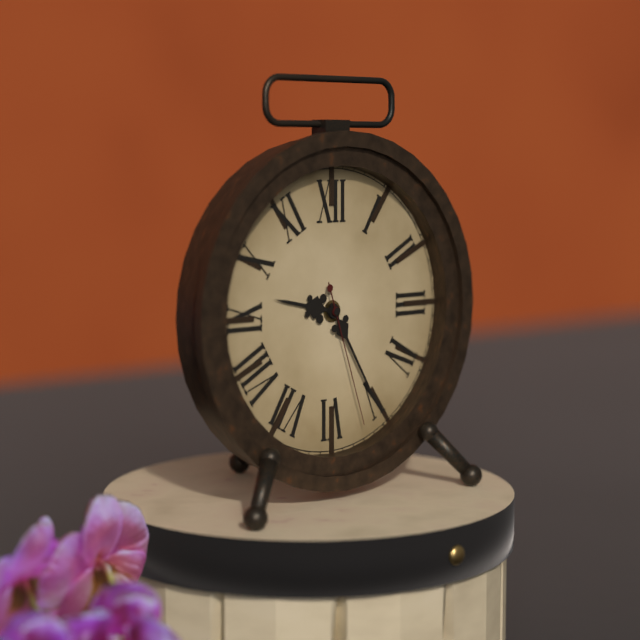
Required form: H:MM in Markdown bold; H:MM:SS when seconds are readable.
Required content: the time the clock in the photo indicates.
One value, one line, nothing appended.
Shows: **9:25:27**
